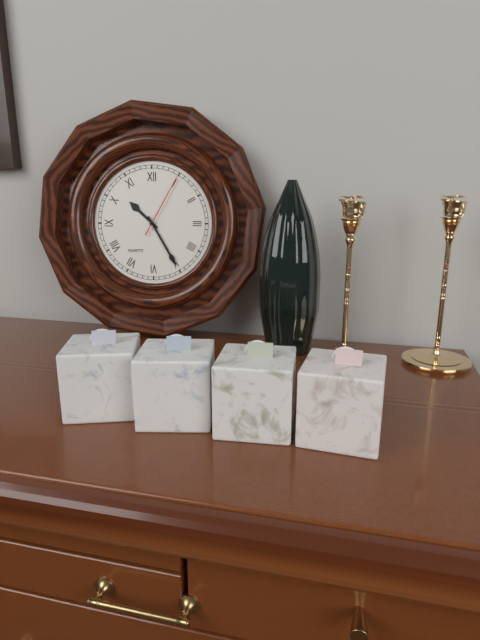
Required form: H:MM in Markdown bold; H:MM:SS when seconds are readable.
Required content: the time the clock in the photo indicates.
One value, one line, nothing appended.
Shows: **10:25:05**
